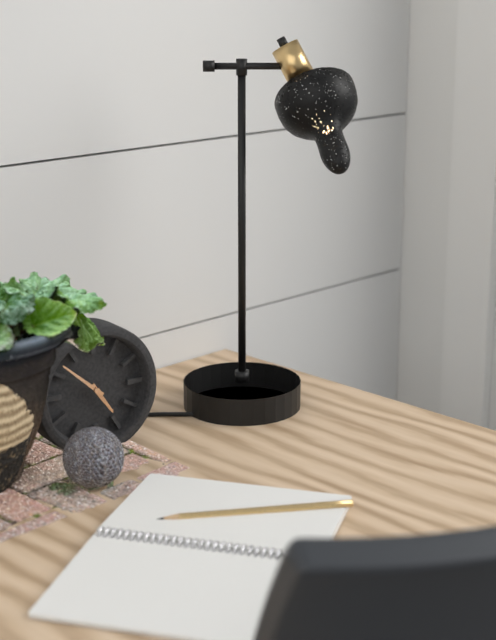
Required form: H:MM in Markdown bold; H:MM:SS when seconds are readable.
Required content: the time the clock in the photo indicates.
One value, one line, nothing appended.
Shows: **4:52**
